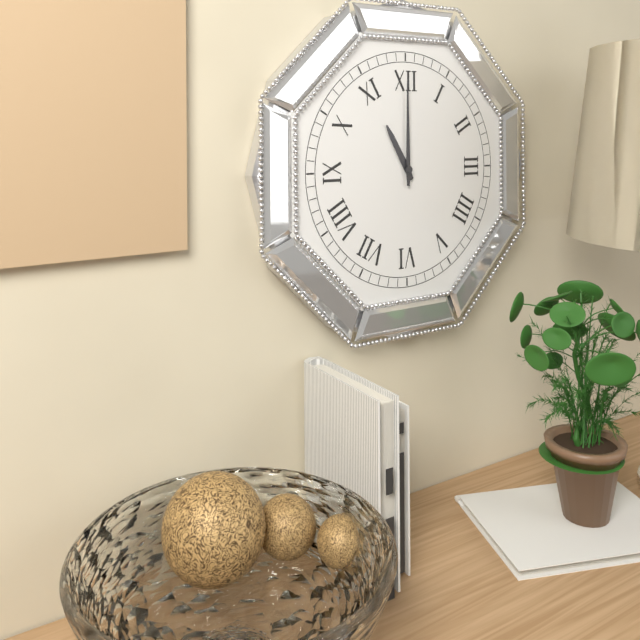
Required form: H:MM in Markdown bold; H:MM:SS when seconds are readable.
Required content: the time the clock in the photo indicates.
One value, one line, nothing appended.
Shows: **11:00**
